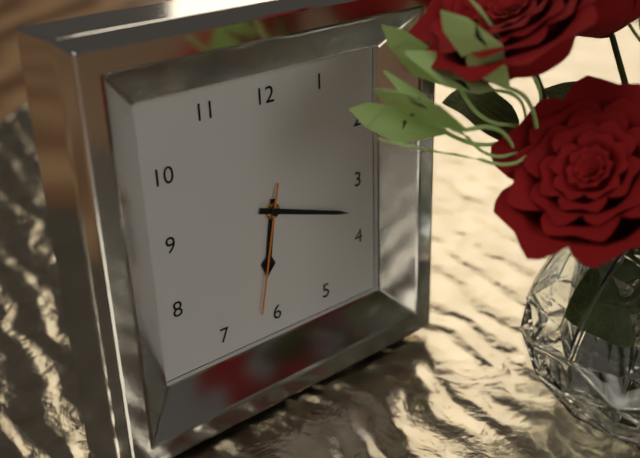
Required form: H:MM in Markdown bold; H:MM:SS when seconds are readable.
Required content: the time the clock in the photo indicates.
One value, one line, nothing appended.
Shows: **6:18:32**
